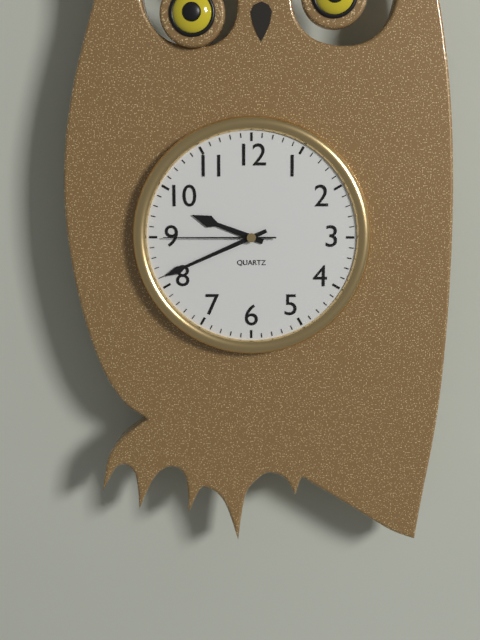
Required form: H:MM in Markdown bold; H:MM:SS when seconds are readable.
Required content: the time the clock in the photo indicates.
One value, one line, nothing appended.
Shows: **9:41:45**
